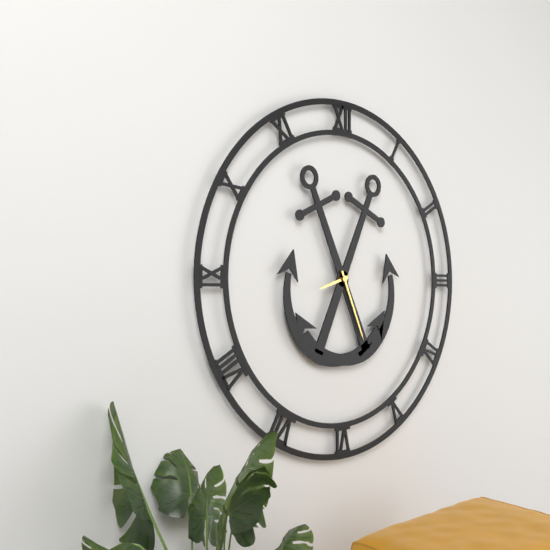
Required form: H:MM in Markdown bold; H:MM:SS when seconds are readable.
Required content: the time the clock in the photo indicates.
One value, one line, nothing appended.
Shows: **8:26**
